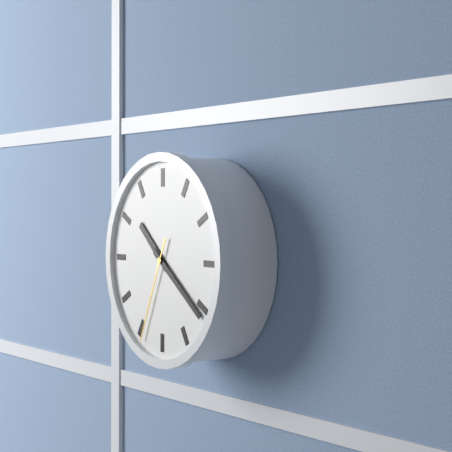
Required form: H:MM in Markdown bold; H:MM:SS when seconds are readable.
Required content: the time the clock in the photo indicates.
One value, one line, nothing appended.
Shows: **10:21:34**
